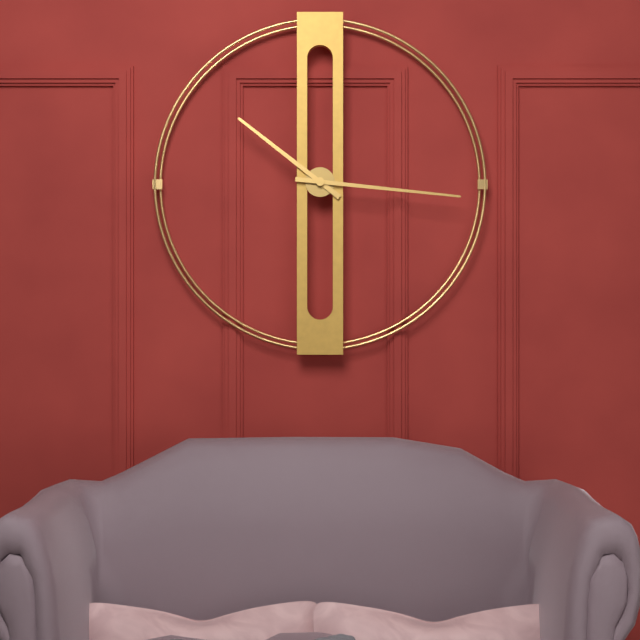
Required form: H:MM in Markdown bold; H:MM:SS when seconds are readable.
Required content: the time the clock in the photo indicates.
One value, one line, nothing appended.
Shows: **10:16**
